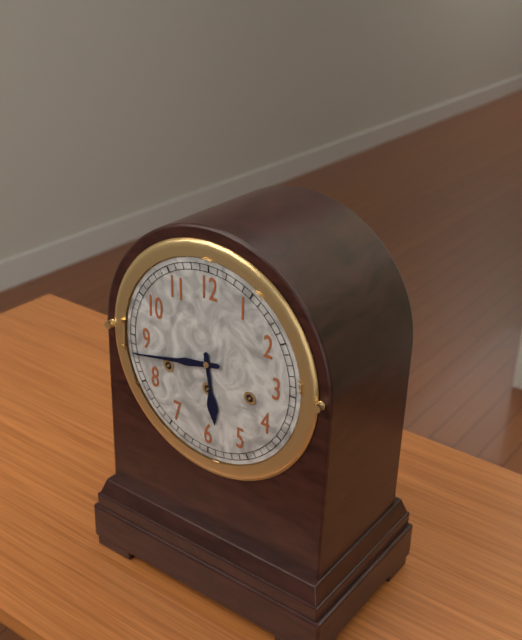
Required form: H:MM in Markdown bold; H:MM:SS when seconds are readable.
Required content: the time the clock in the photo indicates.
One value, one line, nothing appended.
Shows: **5:43**
